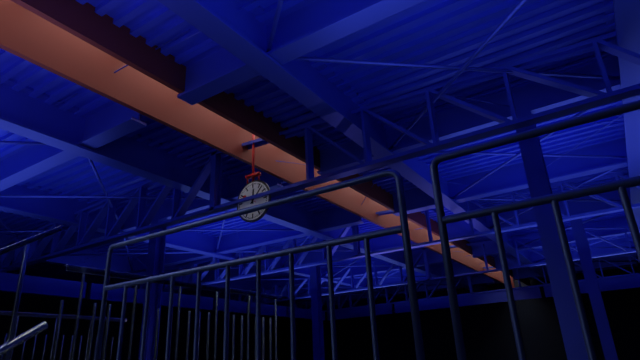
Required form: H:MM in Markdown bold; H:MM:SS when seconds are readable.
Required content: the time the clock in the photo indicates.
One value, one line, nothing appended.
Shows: **12:07**
